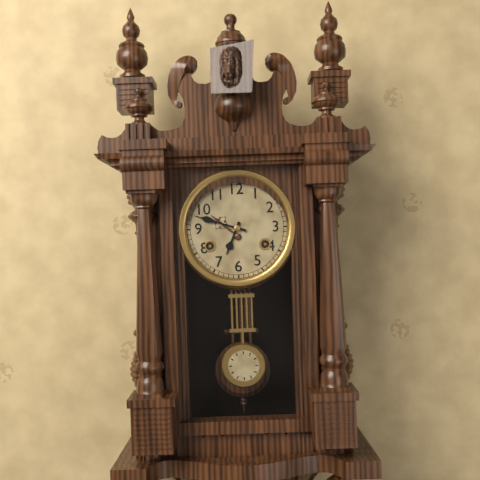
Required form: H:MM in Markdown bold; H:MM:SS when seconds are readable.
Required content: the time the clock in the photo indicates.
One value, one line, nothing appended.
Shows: **6:48**
